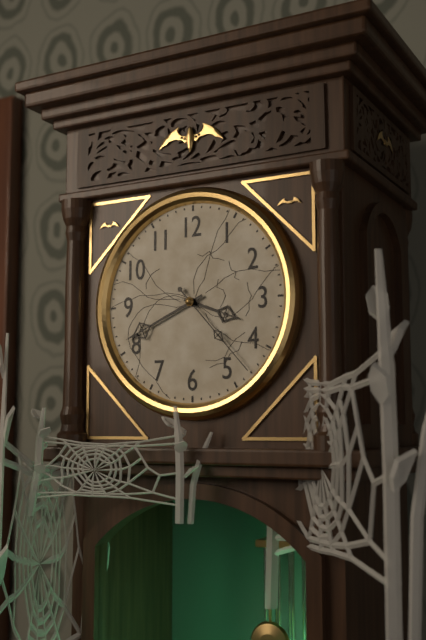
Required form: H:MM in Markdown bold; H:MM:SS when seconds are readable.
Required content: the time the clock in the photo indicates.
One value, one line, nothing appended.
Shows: **3:41:23**
